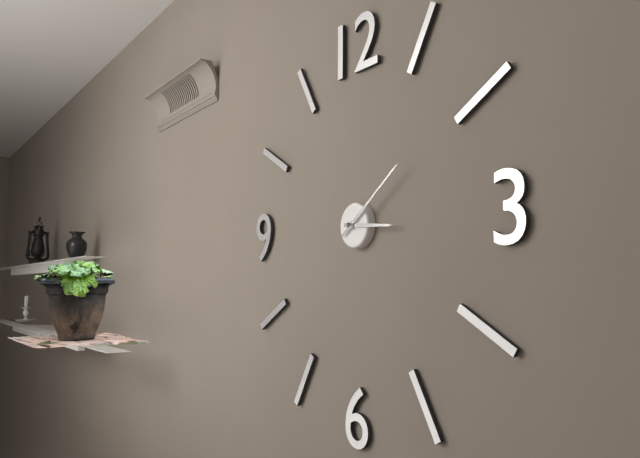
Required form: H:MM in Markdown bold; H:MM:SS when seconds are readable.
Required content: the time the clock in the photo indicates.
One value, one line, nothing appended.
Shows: **3:09**
